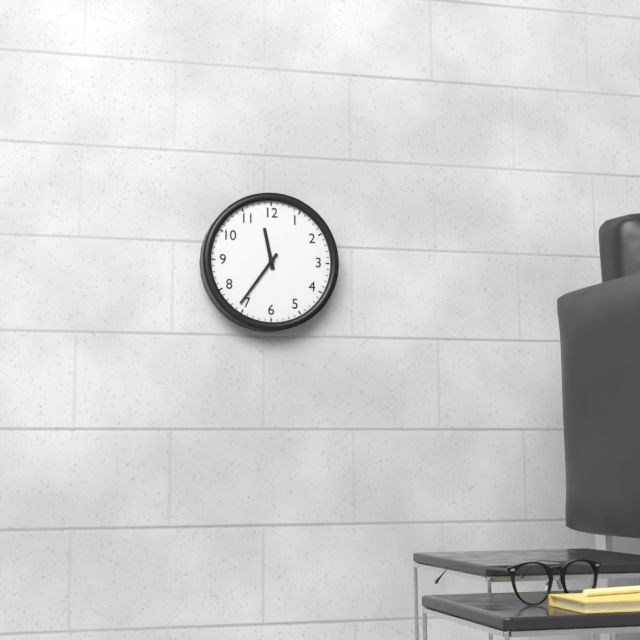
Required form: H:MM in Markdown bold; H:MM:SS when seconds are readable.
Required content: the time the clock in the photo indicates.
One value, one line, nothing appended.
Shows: **11:36**
